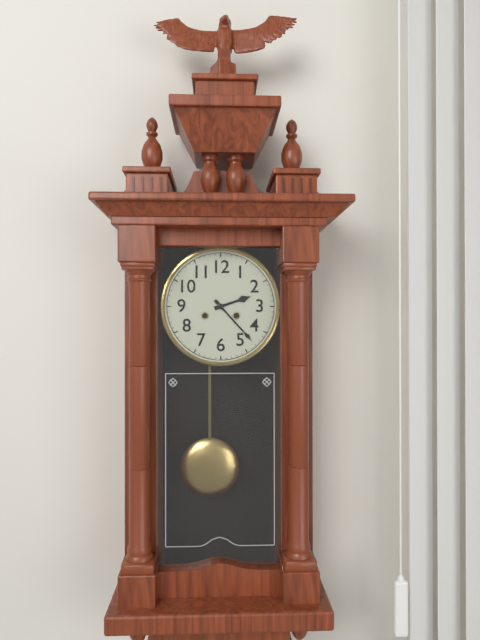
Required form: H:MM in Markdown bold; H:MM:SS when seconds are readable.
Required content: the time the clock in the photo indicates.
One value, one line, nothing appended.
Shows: **2:23**
